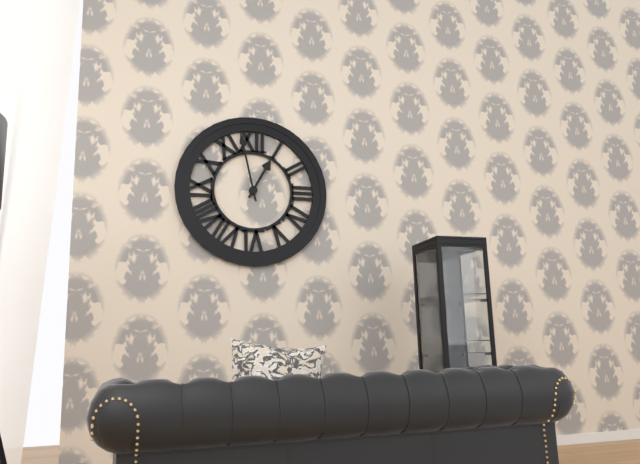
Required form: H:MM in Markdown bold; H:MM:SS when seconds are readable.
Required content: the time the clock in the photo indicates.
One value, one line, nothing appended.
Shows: **12:58**
